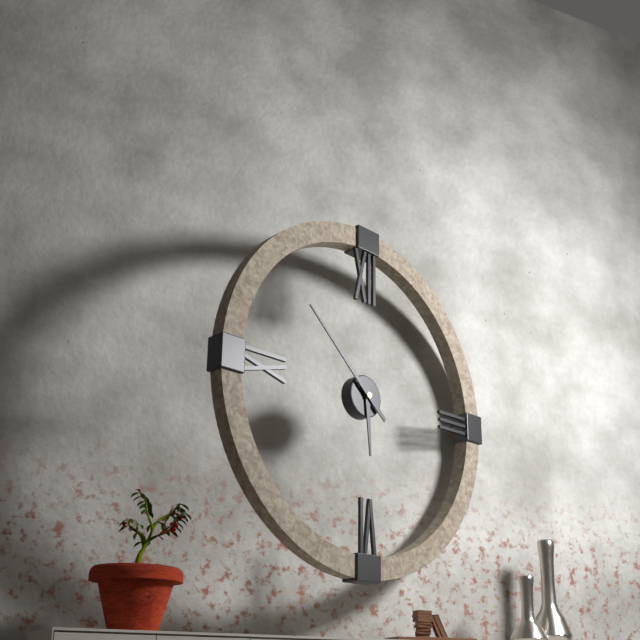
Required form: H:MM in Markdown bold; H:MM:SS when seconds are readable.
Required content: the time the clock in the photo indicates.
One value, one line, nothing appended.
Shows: **5:52**
